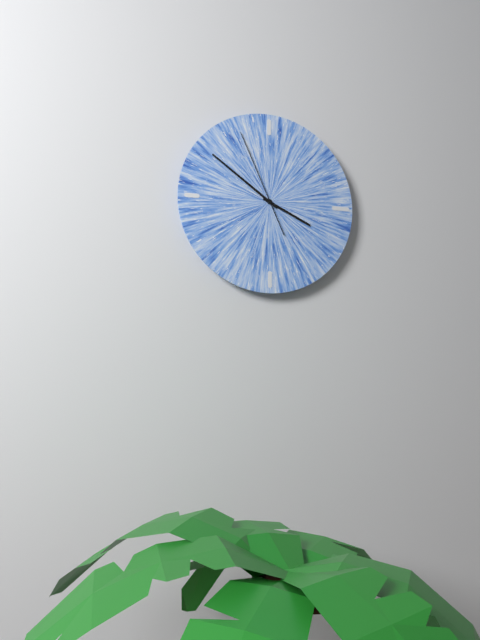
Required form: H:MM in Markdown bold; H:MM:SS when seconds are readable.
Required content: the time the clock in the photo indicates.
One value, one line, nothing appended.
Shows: **3:51:56**
